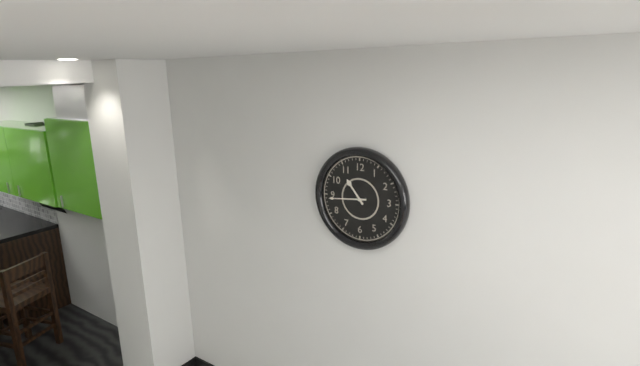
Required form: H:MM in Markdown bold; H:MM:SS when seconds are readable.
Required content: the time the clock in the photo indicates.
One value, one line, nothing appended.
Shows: **10:44**
